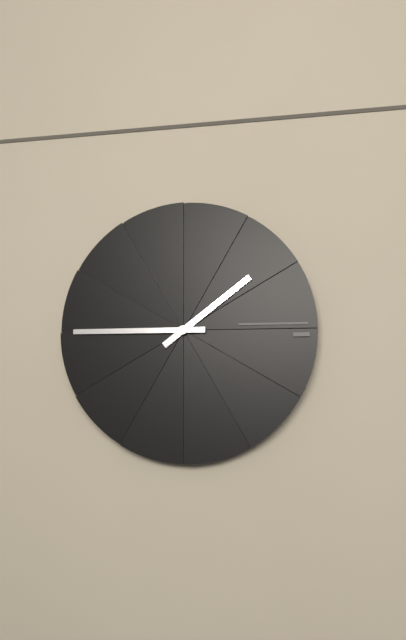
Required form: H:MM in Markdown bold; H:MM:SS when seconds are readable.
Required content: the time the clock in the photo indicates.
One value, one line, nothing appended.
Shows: **1:45**
